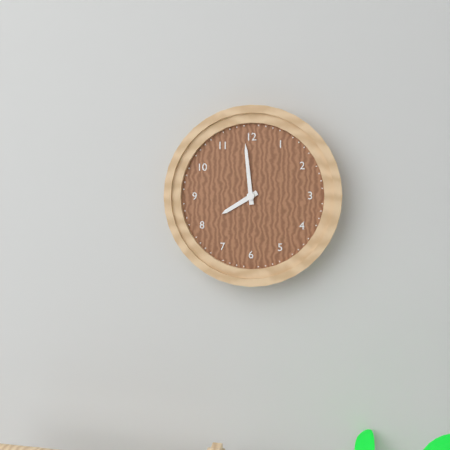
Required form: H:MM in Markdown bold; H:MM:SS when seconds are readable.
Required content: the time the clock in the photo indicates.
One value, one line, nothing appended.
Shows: **7:59**
